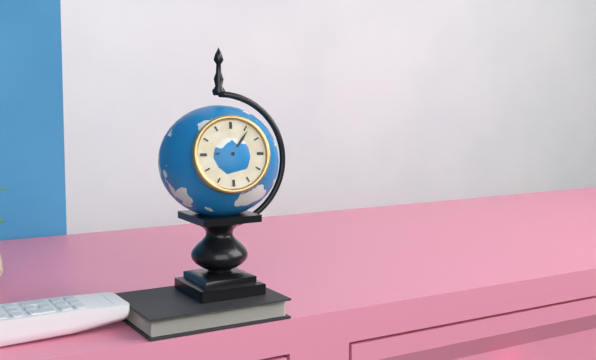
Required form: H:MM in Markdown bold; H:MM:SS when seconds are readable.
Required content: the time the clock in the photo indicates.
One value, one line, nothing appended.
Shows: **9:06**
